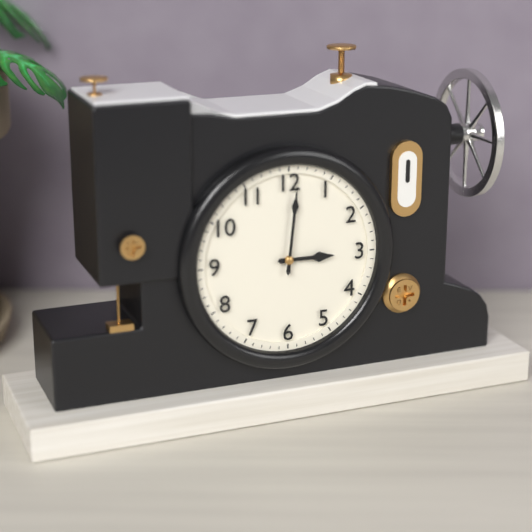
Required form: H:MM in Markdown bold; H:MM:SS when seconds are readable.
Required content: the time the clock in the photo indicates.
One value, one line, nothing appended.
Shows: **3:01**
